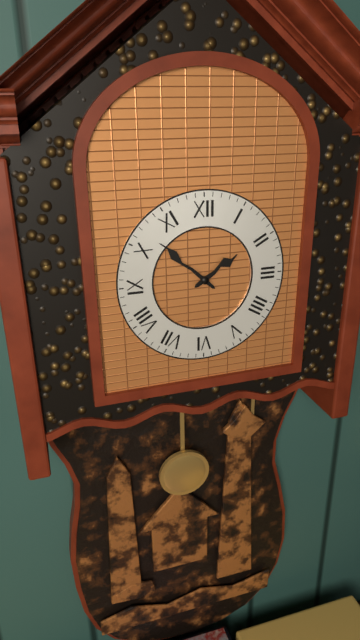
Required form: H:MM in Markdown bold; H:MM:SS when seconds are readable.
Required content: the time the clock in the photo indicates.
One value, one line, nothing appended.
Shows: **1:52**
